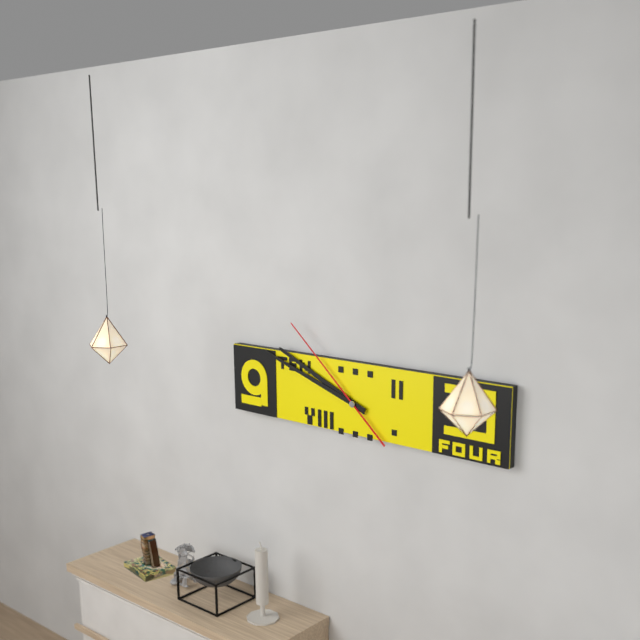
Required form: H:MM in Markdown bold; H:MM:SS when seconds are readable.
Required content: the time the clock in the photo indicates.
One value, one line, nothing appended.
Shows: **9:48:52**
